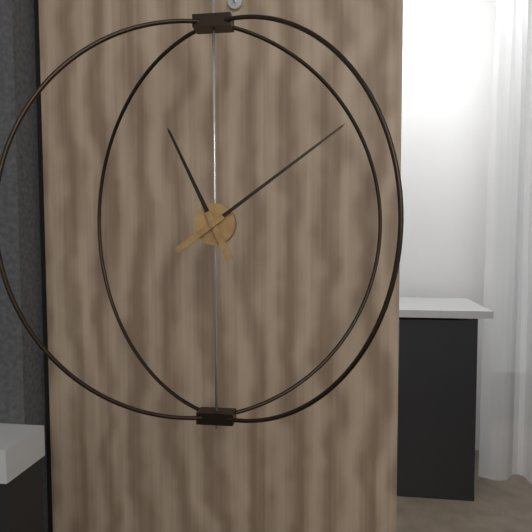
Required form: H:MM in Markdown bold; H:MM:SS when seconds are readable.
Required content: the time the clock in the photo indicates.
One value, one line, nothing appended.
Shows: **11:09**
